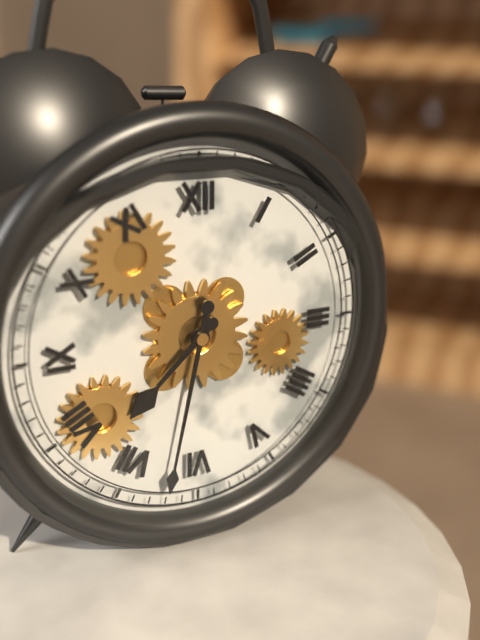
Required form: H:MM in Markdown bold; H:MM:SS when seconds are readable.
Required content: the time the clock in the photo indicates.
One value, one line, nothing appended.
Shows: **7:32**
